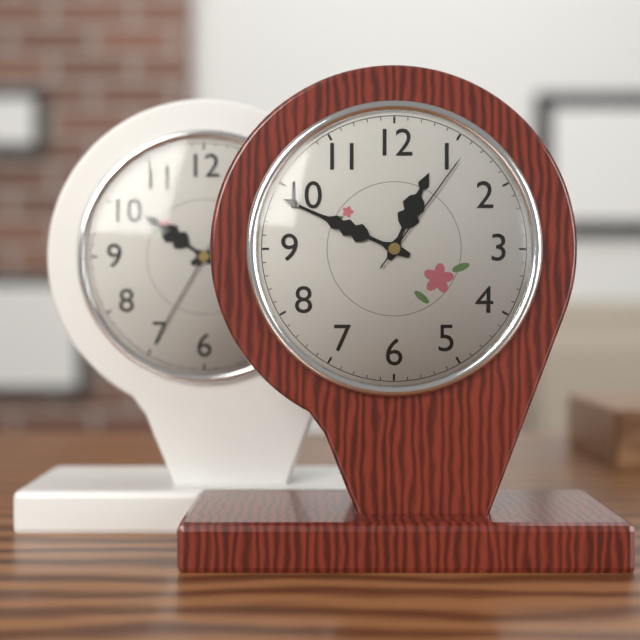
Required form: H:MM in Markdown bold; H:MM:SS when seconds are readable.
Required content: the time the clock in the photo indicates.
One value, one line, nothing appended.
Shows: **12:49:06**
